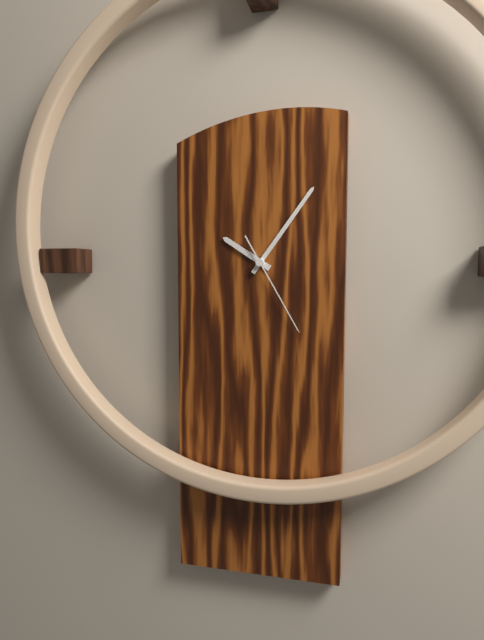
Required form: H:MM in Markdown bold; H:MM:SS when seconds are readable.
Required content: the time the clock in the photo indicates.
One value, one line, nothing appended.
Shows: **10:06:25**
